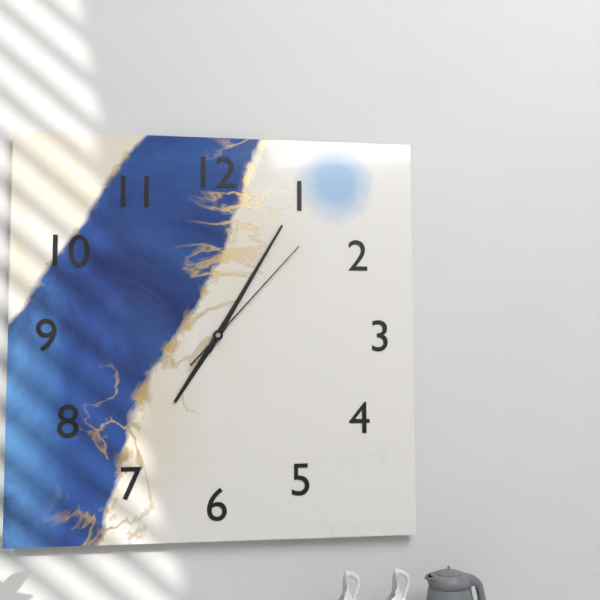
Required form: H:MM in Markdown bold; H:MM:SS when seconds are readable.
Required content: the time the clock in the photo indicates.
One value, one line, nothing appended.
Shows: **7:05:07**
